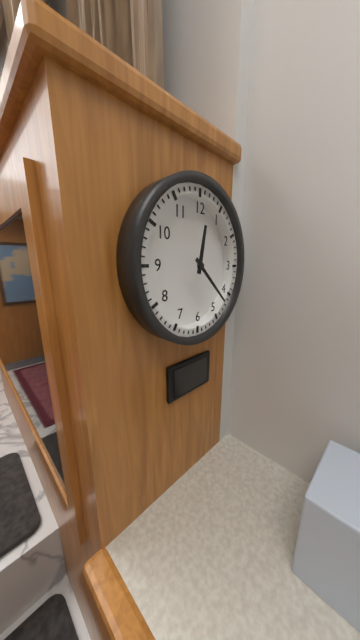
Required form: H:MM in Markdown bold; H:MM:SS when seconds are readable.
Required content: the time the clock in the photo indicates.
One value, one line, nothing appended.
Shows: **12:22**
